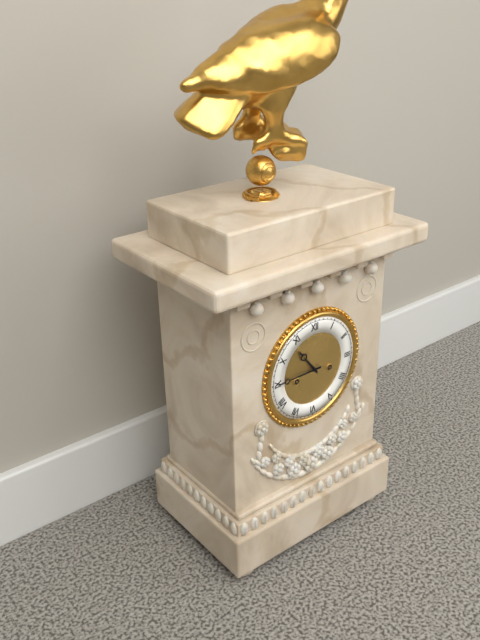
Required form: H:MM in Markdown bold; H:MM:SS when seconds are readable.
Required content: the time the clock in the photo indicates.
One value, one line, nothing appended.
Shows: **10:45**
